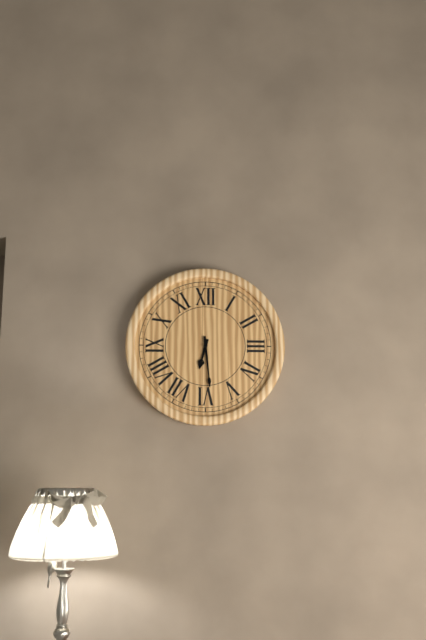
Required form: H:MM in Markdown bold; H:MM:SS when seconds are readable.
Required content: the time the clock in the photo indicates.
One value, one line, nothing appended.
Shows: **6:29**
